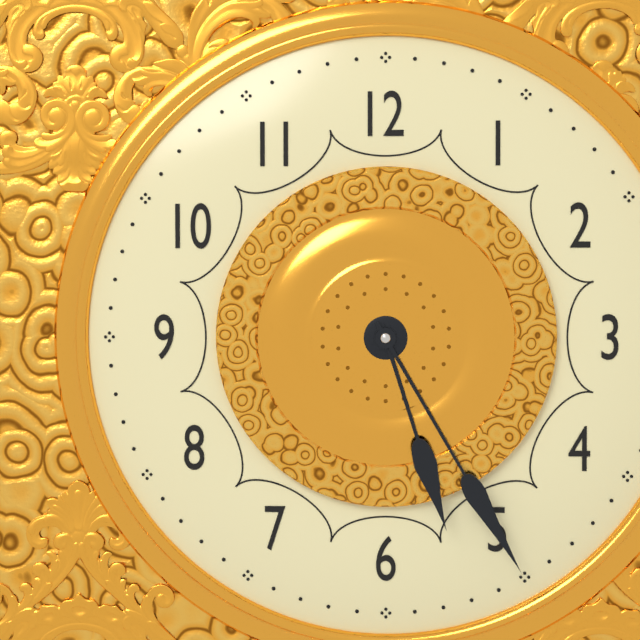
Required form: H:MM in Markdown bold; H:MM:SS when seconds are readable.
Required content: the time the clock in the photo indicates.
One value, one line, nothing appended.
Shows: **5:25**
